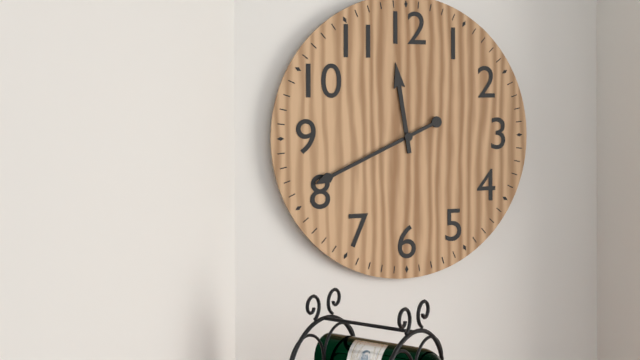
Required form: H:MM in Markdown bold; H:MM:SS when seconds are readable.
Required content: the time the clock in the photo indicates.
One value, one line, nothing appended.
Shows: **11:41**
